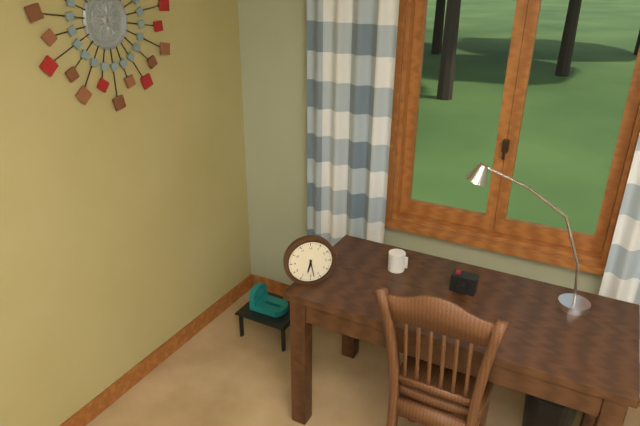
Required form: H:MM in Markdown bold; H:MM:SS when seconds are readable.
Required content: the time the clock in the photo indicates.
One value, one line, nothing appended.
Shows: **6:28**
